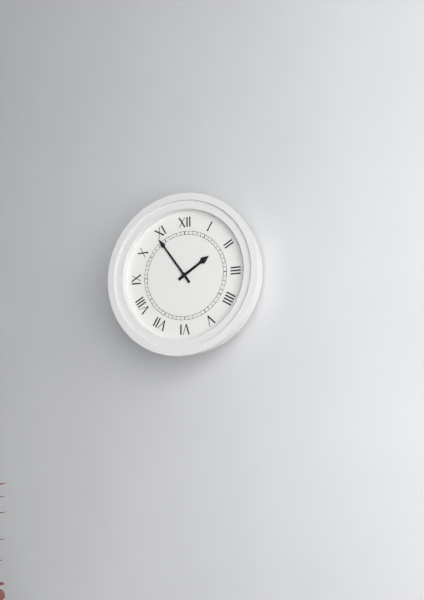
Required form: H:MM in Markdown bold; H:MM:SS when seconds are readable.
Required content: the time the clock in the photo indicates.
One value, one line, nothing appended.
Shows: **1:54**
